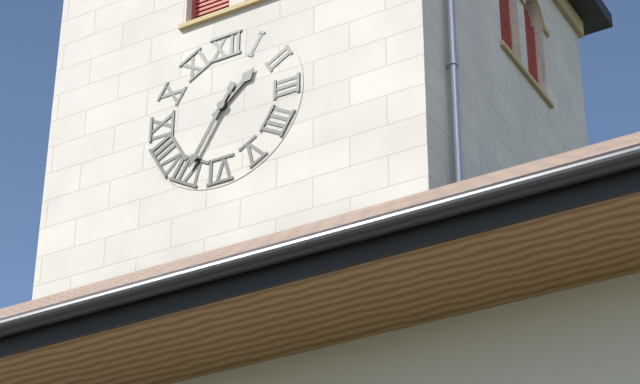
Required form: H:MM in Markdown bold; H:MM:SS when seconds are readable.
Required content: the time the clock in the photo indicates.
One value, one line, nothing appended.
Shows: **1:35**
